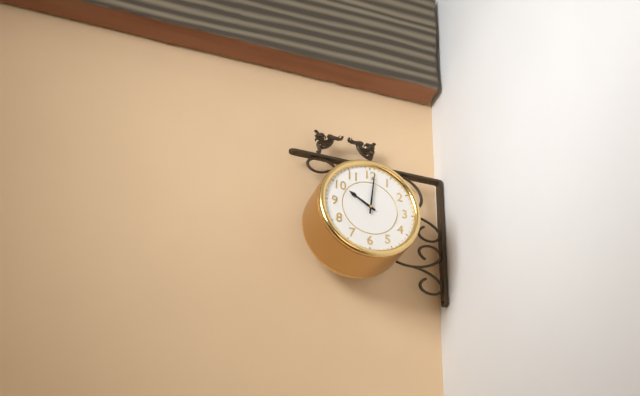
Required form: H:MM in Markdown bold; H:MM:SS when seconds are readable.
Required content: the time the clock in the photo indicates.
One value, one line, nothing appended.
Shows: **10:01**
